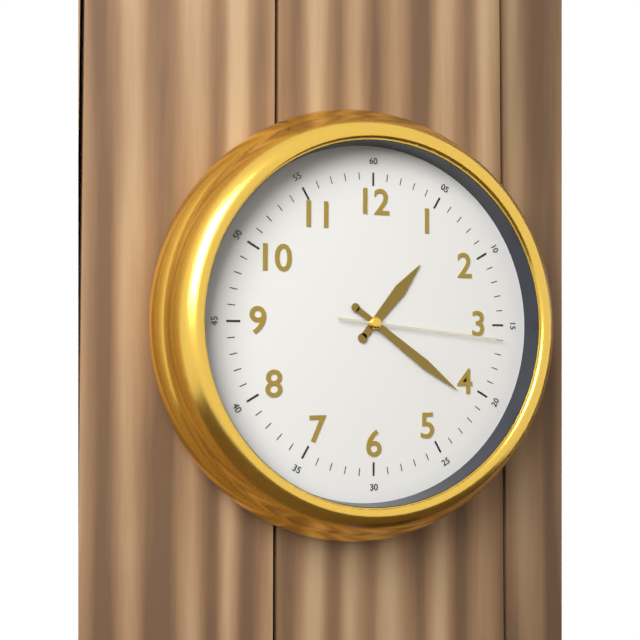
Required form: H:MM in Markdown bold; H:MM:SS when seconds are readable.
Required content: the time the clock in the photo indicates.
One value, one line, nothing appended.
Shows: **1:21:16**
